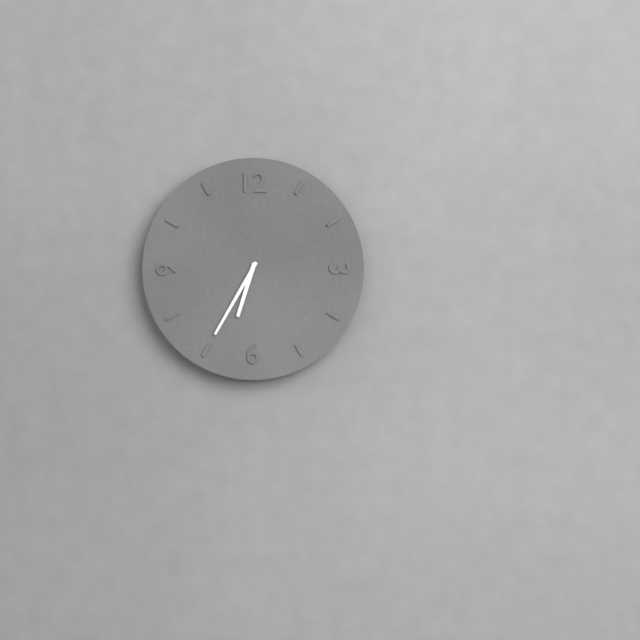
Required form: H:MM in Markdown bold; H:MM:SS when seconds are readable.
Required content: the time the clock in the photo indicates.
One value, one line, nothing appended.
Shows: **6:35**
